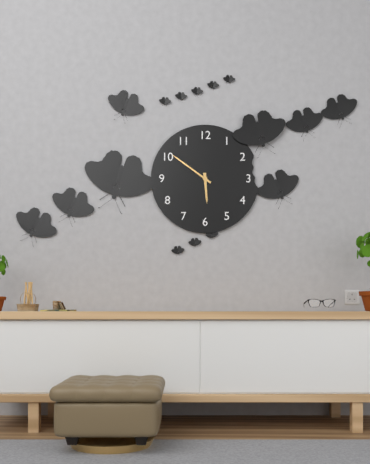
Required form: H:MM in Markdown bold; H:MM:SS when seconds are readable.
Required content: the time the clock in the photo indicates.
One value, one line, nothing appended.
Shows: **5:51**
